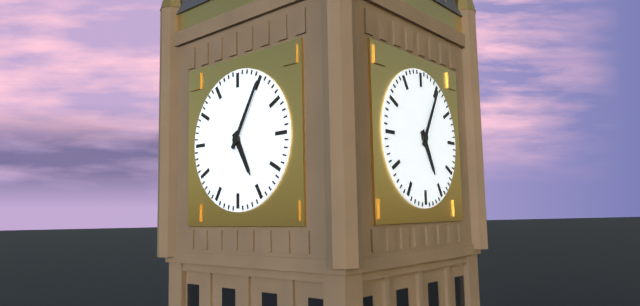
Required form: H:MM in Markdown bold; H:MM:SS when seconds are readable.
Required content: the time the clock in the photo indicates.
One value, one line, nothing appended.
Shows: **5:05**
